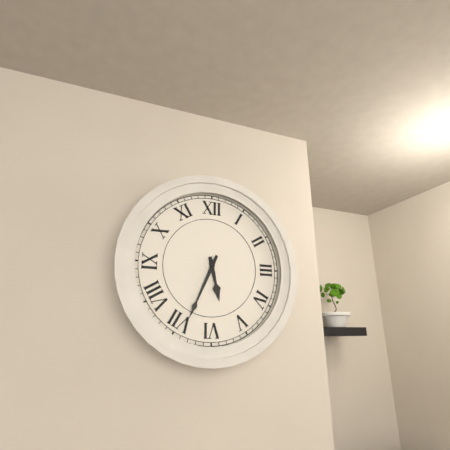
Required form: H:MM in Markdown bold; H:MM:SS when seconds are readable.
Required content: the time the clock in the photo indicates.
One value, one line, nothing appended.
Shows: **5:34**
